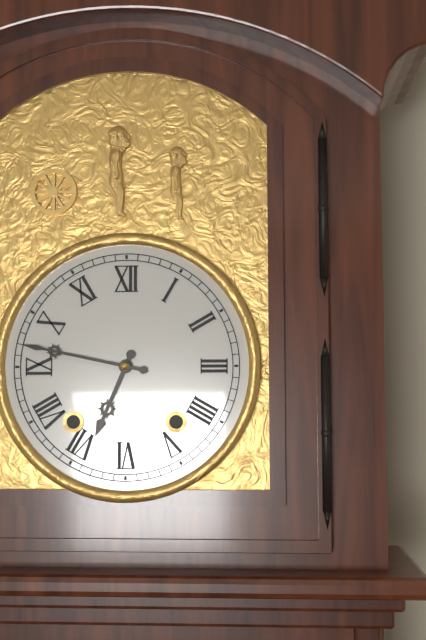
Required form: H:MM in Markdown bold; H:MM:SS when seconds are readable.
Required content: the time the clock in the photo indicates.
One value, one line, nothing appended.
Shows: **6:47**
